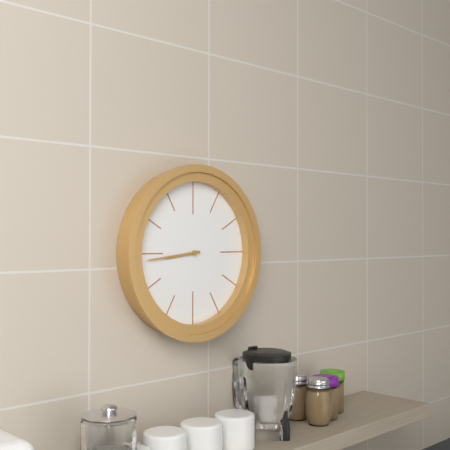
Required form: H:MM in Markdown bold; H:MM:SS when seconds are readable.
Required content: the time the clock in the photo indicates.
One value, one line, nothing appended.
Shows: **8:44**
